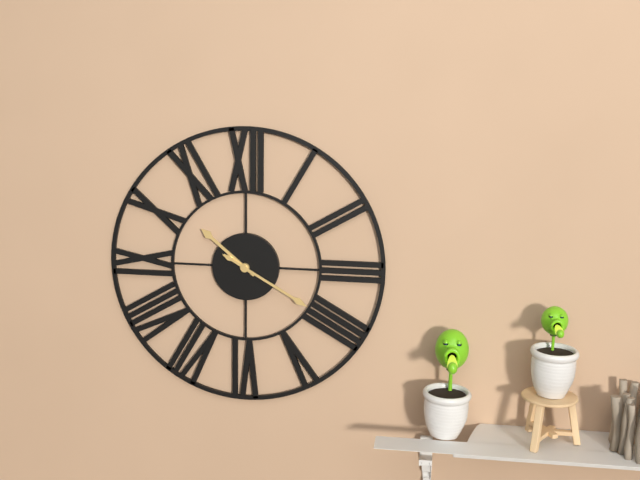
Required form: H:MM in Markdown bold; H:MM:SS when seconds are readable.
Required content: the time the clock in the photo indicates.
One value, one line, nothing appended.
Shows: **10:20**
